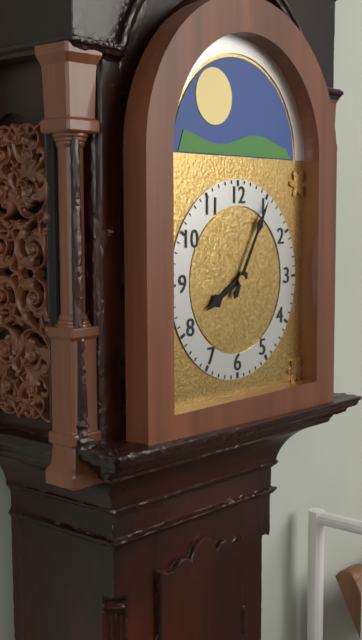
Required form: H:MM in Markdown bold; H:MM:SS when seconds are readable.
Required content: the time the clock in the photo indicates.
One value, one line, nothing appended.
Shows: **8:05**
